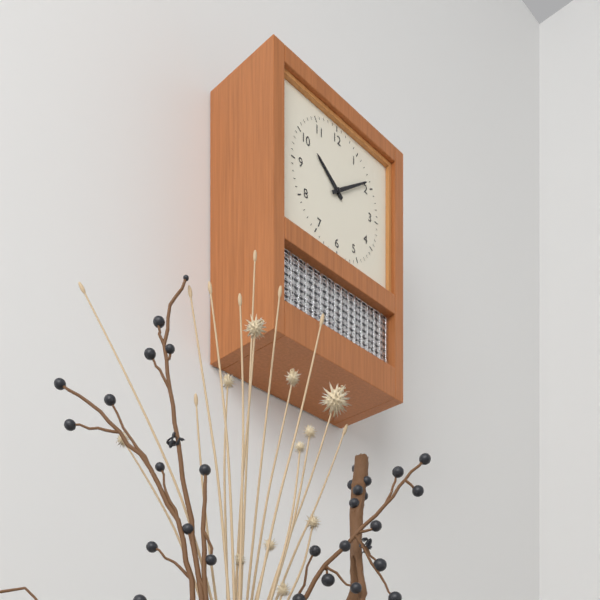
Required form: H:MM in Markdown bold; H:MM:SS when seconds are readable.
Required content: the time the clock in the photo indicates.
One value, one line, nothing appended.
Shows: **10:09**
